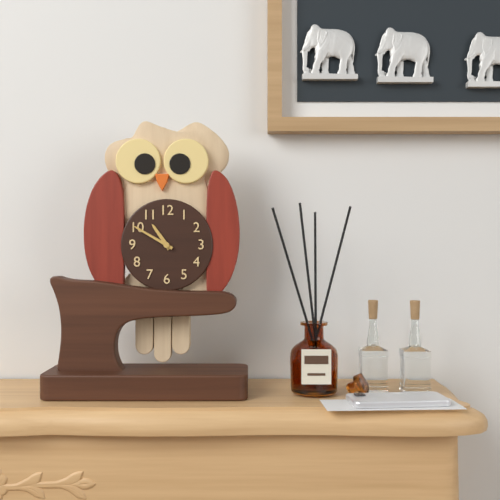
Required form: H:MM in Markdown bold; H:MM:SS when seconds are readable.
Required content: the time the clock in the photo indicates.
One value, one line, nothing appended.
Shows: **10:50**
